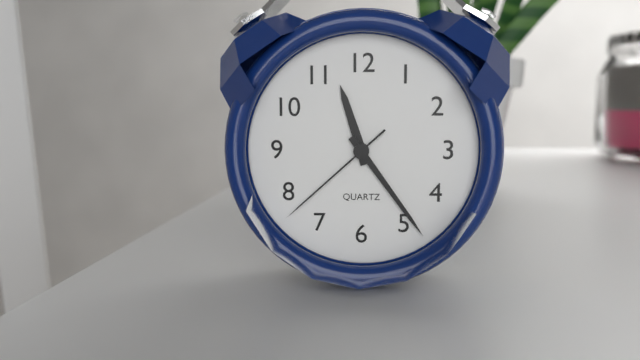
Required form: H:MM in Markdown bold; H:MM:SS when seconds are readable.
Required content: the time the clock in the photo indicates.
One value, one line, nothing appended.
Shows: **11:24:38**
